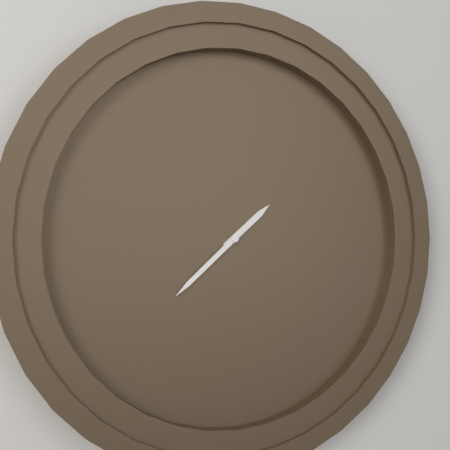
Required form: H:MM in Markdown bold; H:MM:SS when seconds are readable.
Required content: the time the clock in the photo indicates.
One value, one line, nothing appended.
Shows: **1:38**
